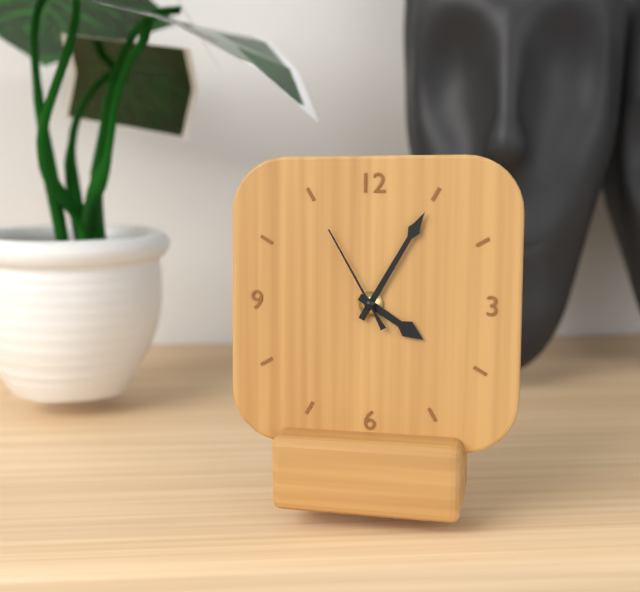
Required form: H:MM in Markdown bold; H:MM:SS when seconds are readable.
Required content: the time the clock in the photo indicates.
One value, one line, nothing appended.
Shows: **4:05:55**
